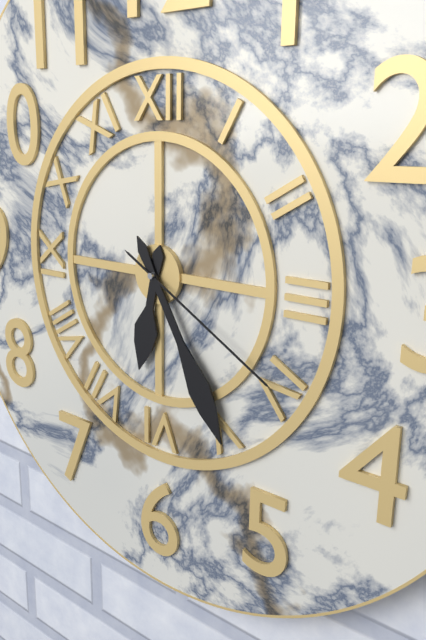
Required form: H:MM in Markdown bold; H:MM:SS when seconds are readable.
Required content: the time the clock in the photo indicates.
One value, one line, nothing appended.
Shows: **6:25:20**
